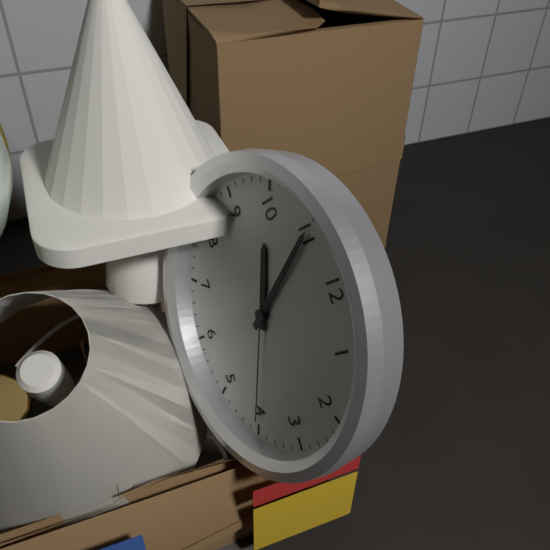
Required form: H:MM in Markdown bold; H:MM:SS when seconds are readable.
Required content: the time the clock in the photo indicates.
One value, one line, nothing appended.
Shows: **9:55:20**
